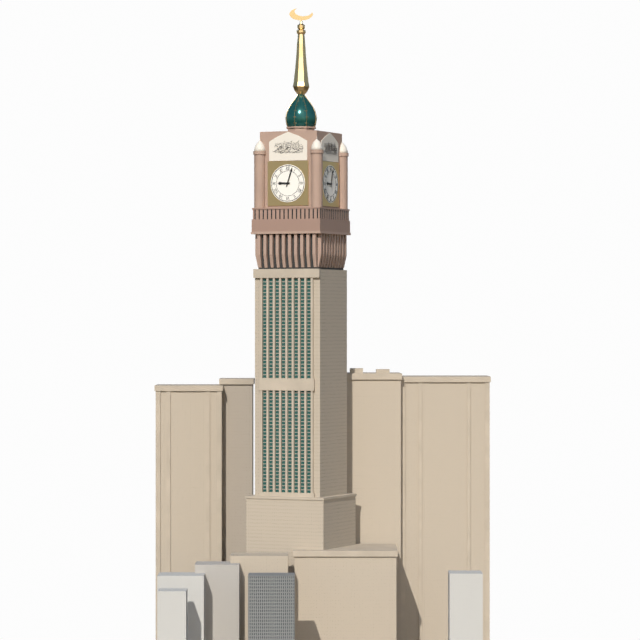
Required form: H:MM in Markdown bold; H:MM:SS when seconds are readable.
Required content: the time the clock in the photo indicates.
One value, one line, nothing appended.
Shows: **9:03**
